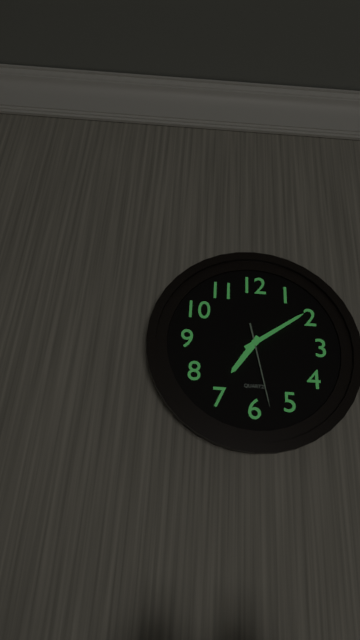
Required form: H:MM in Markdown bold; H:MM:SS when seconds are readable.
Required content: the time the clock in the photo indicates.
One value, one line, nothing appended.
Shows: **7:09:28**
